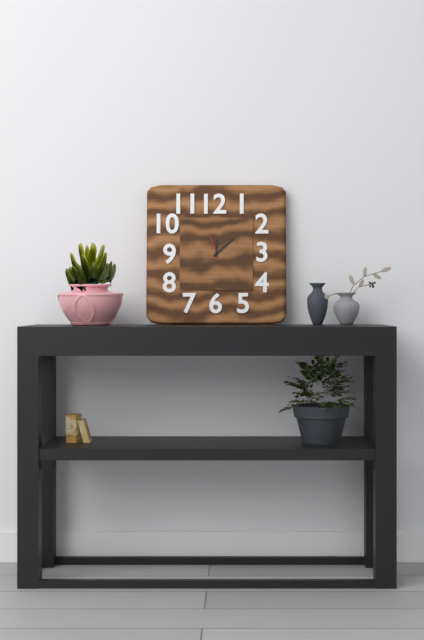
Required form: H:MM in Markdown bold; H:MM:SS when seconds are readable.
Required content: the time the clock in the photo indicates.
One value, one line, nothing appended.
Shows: **12:08**
